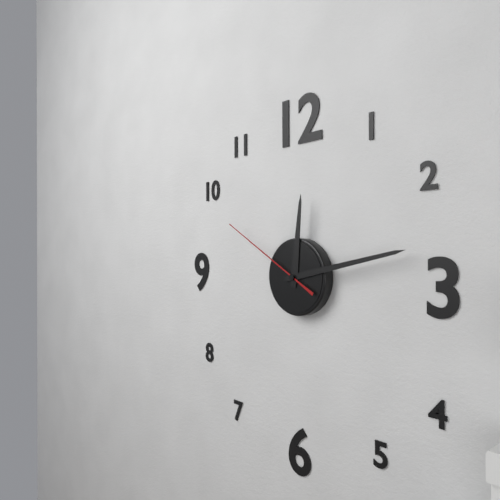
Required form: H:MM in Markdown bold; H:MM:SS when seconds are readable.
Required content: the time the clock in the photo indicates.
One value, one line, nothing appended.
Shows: **12:13:50**
